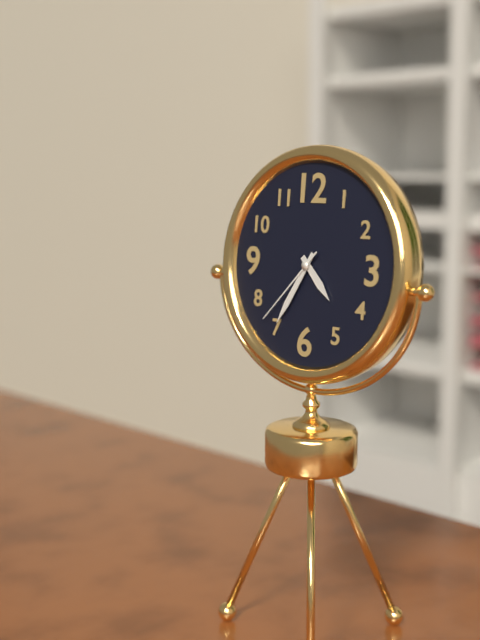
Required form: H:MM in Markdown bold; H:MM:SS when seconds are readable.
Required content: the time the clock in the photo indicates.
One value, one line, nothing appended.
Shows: **4:35:37**
